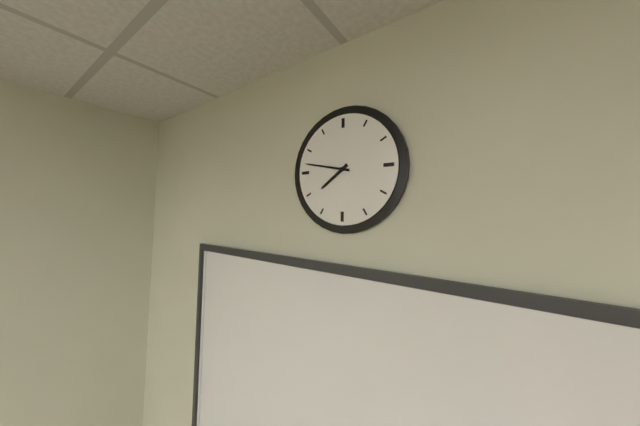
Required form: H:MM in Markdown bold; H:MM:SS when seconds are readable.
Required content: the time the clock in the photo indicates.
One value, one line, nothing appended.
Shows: **7:47**
